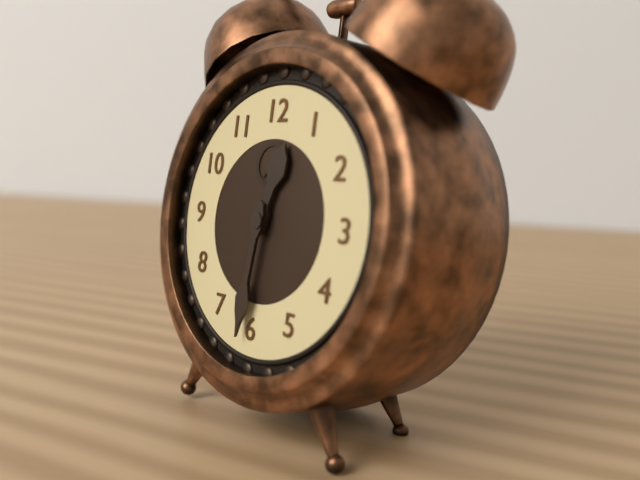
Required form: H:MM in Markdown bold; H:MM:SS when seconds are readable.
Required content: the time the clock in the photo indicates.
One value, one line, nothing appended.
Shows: **12:31**
